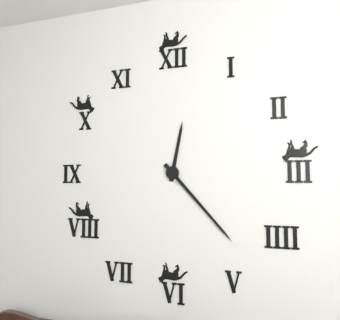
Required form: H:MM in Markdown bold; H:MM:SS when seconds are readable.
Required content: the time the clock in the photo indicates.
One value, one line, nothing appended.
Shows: **12:23**
